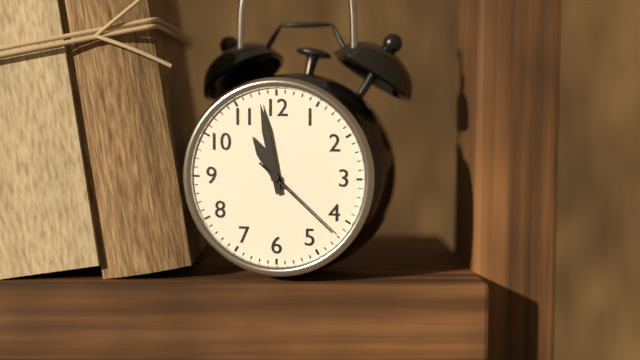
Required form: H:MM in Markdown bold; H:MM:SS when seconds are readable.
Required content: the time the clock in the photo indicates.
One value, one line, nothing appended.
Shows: **10:58:22**
